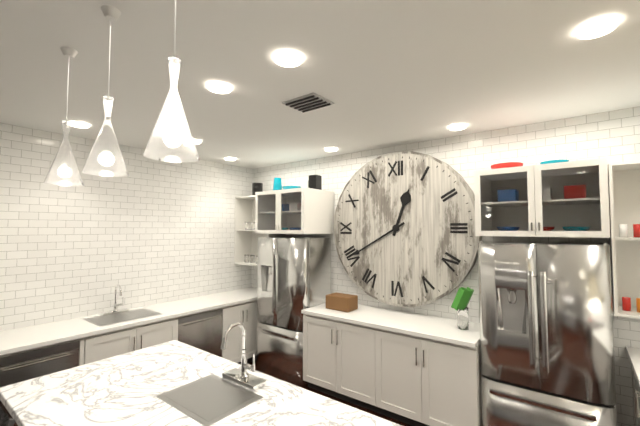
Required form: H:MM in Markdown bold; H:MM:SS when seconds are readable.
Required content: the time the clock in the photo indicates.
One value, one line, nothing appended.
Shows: **12:40**
